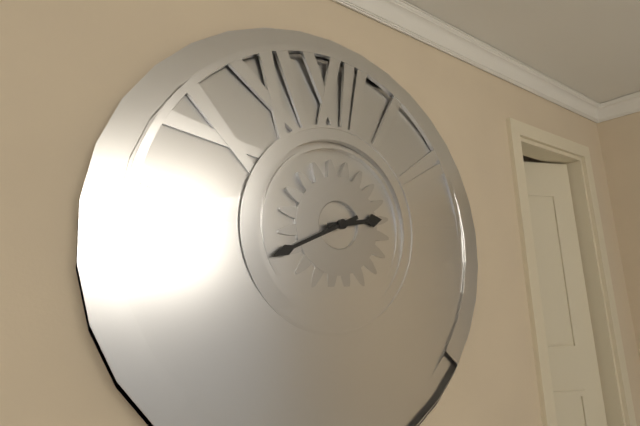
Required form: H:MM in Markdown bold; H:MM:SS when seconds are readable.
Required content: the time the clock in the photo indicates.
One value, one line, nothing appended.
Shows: **2:41**
